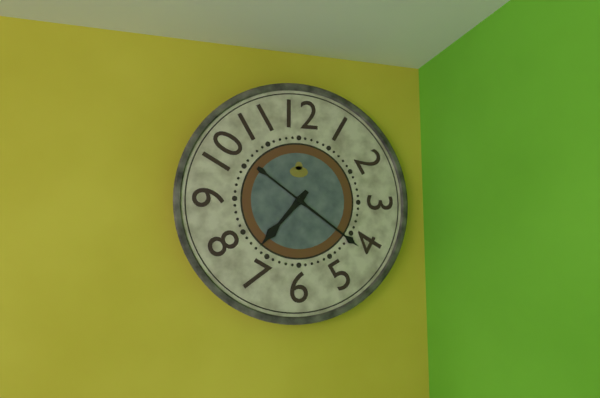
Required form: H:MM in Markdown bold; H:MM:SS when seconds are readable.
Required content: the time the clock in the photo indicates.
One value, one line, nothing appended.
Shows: **7:21**
